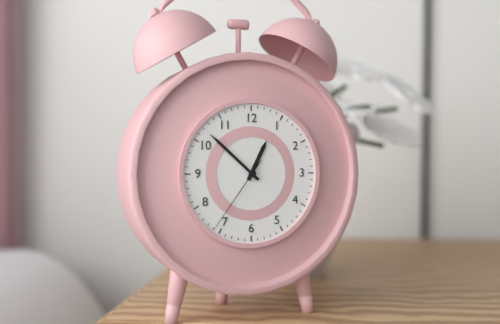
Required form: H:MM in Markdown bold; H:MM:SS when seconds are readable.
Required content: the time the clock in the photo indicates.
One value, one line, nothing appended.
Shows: **12:52:36**
